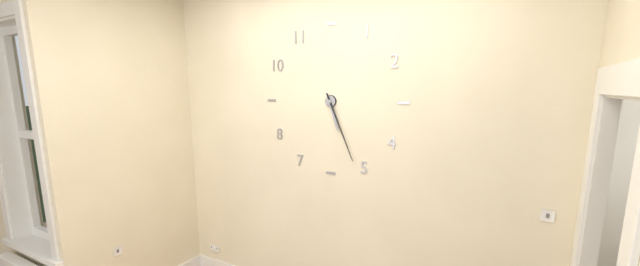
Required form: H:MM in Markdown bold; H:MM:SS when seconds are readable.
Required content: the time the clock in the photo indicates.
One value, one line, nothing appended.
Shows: **5:26**
